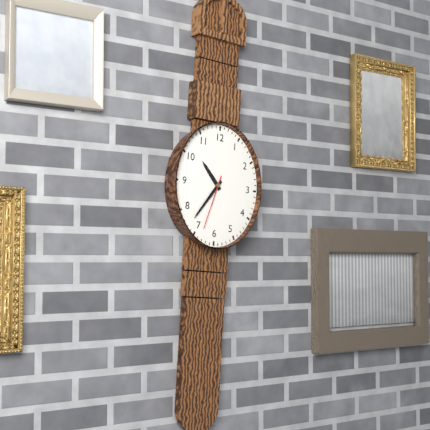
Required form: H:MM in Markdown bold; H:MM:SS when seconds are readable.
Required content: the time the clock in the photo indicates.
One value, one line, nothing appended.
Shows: **10:36:33**
